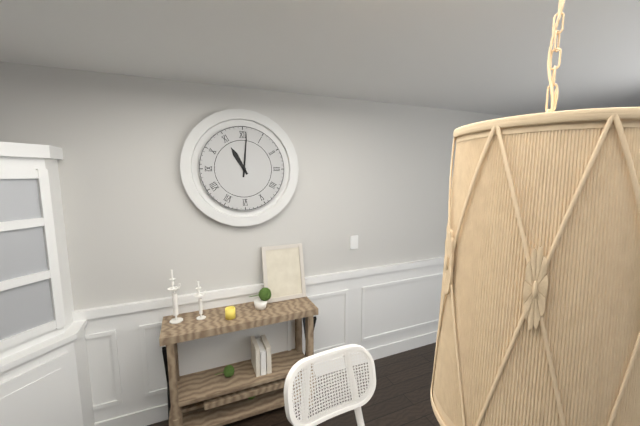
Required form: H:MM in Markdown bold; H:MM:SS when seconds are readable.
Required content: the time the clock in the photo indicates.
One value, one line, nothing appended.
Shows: **11:01**
